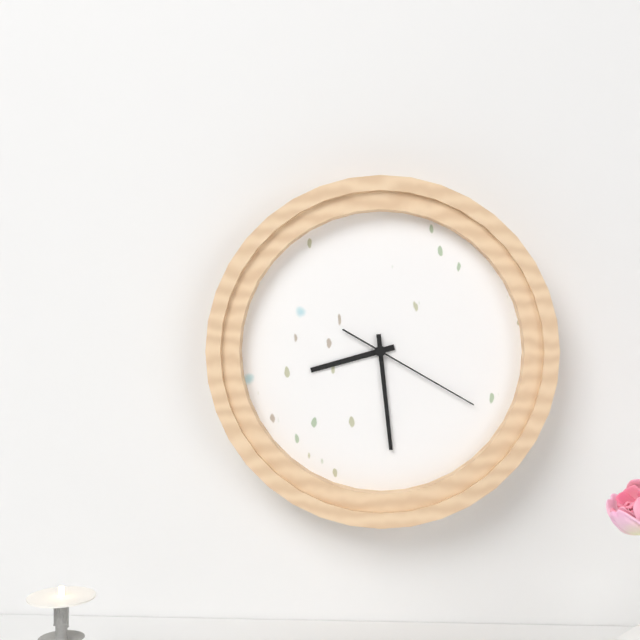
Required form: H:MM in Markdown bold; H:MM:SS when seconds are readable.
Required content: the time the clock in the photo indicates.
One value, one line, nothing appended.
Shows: **8:29:20**
